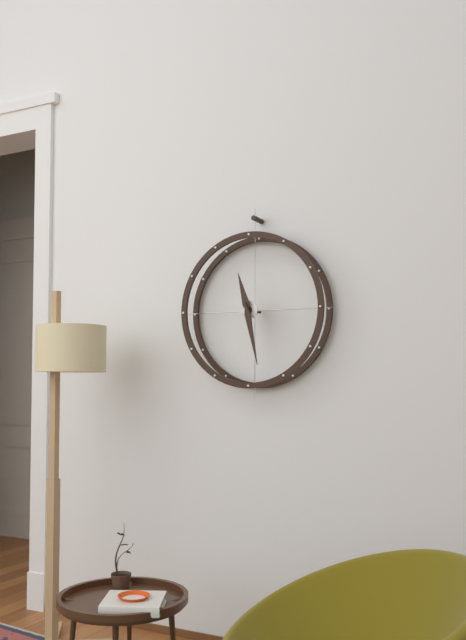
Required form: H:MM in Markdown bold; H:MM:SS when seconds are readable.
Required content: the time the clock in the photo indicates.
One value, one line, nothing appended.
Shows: **11:28**
